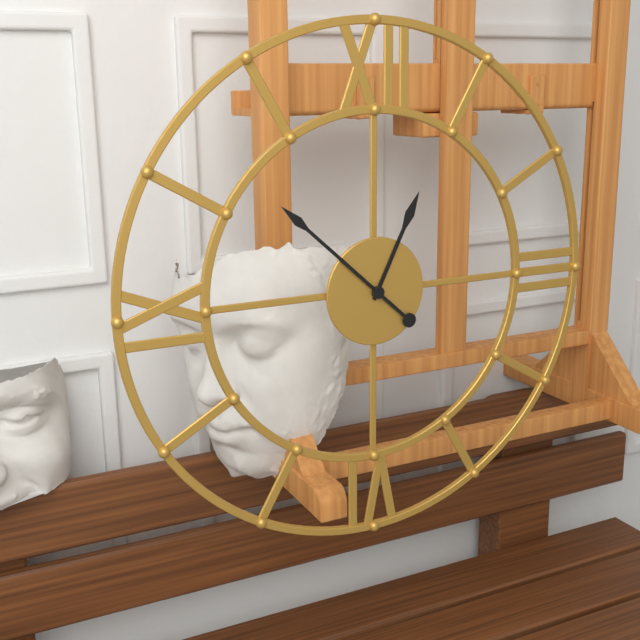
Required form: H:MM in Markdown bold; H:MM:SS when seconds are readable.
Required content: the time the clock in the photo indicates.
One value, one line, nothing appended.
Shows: **12:52**
